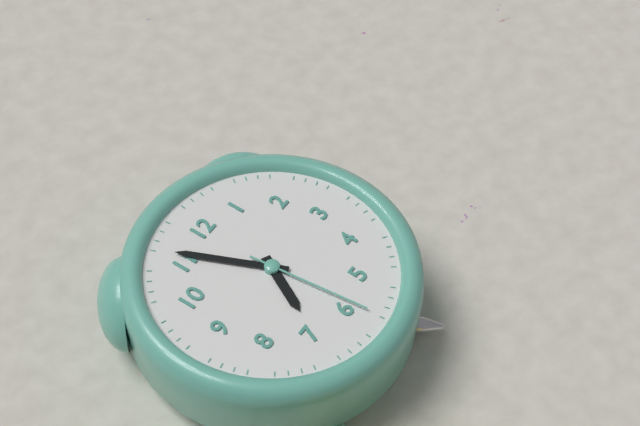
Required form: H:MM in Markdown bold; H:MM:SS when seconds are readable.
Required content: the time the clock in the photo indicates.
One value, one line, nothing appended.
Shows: **6:56:29**
